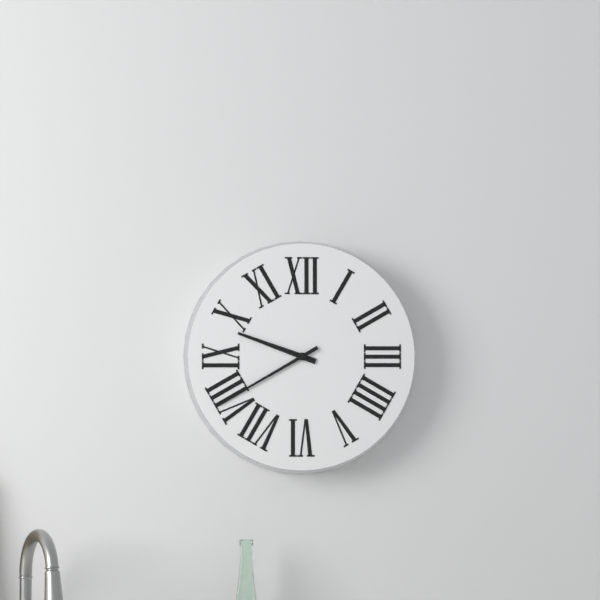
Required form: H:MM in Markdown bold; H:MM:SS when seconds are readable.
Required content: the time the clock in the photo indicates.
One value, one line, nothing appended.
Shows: **9:40**
